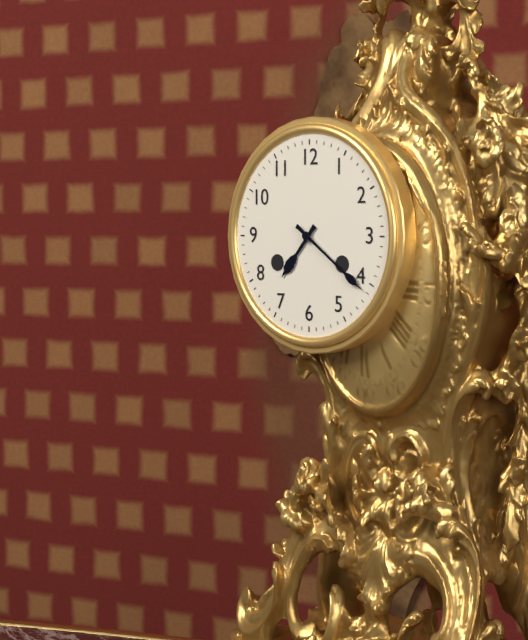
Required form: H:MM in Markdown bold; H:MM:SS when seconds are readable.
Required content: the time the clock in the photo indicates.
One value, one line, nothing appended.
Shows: **7:21**
